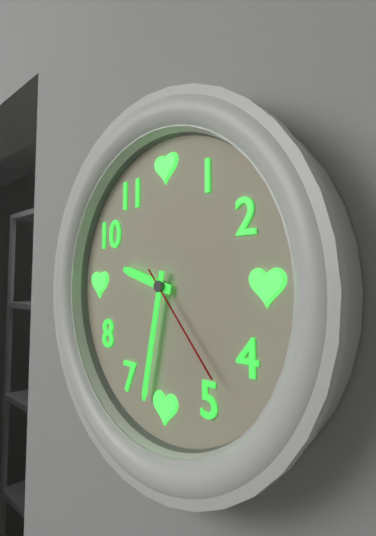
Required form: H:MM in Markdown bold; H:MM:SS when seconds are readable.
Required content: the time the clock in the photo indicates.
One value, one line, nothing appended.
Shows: **9:32:23**
